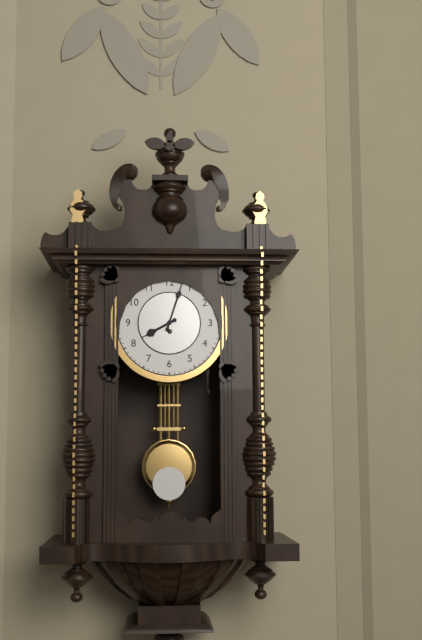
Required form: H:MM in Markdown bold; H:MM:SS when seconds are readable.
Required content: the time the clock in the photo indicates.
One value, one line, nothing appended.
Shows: **8:03**
